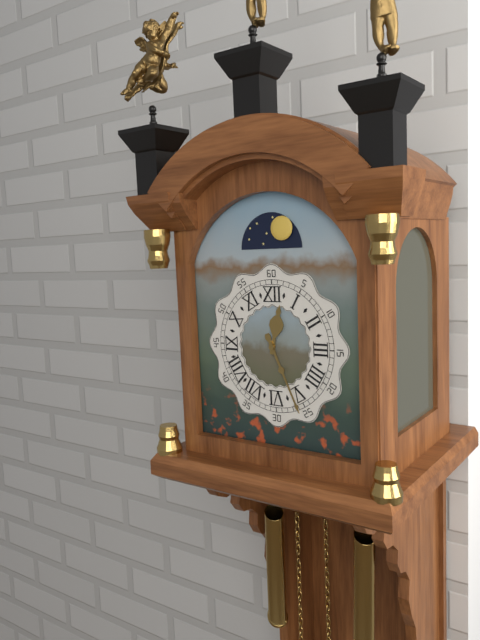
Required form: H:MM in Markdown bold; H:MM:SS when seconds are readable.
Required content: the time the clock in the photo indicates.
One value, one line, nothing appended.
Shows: **12:26**
